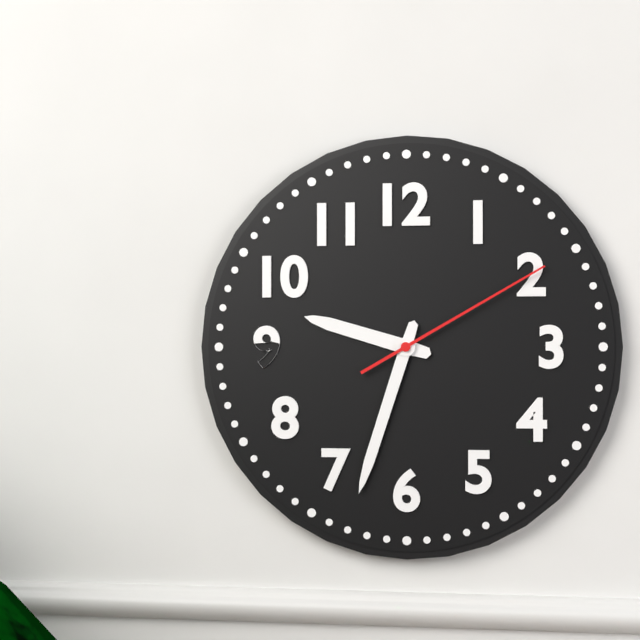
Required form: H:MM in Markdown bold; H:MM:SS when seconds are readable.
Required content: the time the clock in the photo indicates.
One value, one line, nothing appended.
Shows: **9:33:10**
